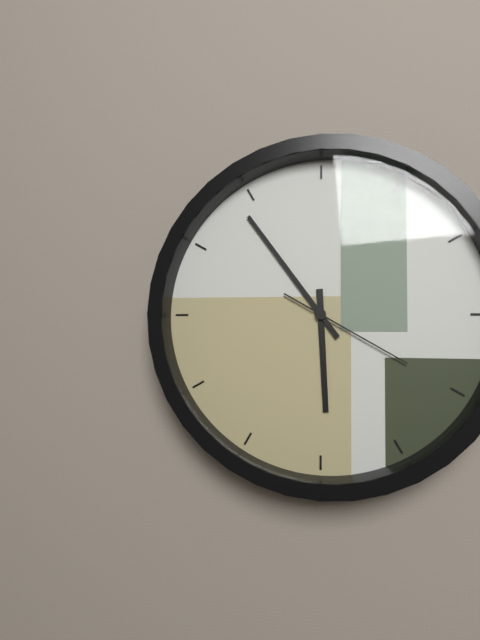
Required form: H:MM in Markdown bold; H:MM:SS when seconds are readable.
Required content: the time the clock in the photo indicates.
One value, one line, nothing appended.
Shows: **5:54:20**
